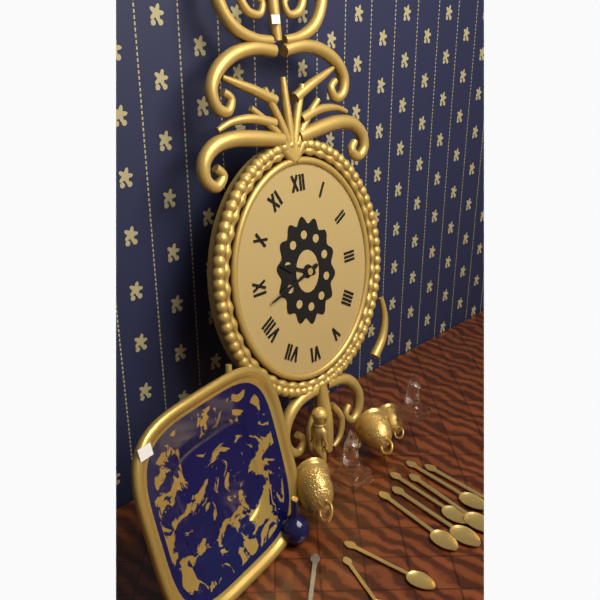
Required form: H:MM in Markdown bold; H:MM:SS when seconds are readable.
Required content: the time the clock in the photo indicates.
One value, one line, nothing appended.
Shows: **9:42**
